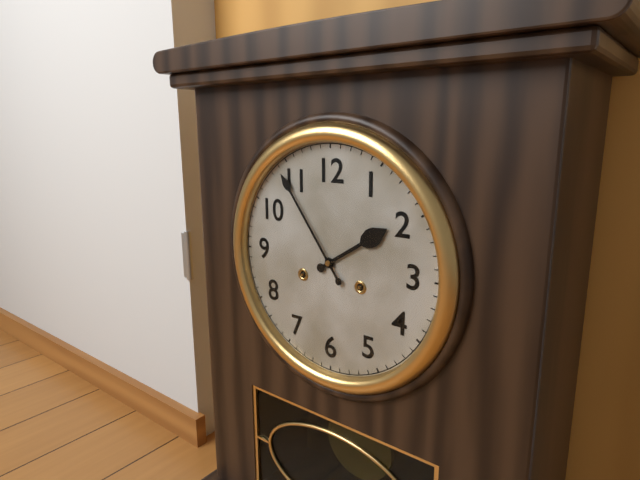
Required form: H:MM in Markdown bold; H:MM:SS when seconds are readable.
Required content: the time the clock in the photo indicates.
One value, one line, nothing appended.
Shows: **1:54**
